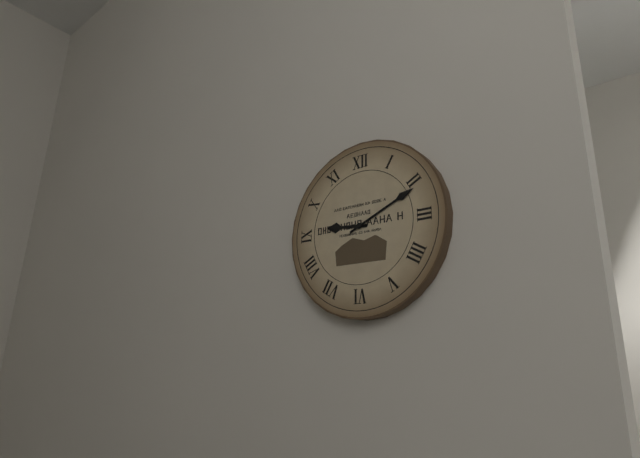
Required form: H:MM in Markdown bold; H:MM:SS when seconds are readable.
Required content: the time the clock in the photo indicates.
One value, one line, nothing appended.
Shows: **9:11**
